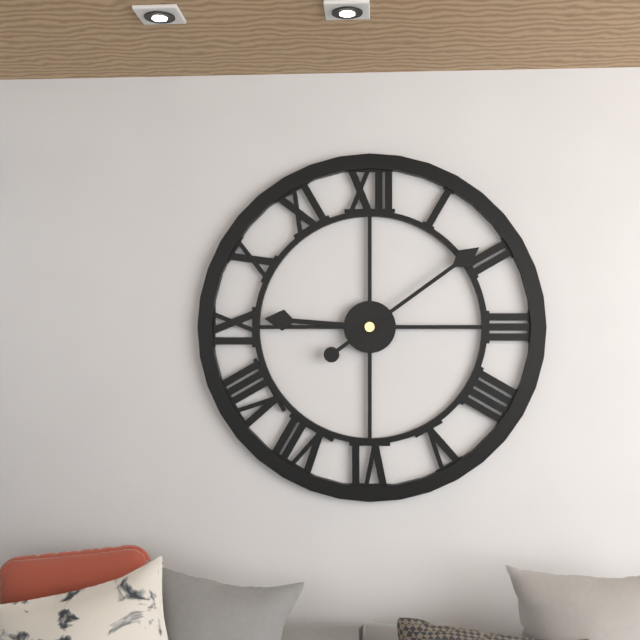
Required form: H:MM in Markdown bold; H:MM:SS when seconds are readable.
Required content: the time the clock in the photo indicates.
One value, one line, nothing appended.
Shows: **9:09**
